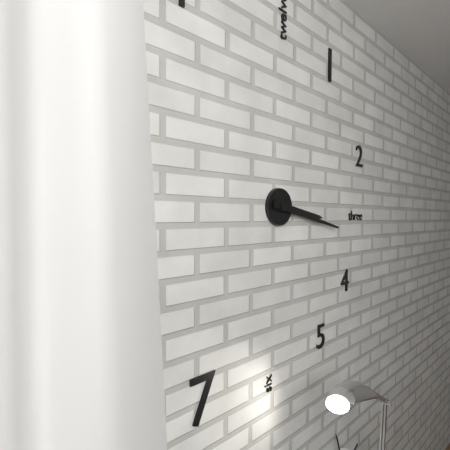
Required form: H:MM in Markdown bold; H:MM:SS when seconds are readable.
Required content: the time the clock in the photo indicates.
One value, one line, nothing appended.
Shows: **3:17**
